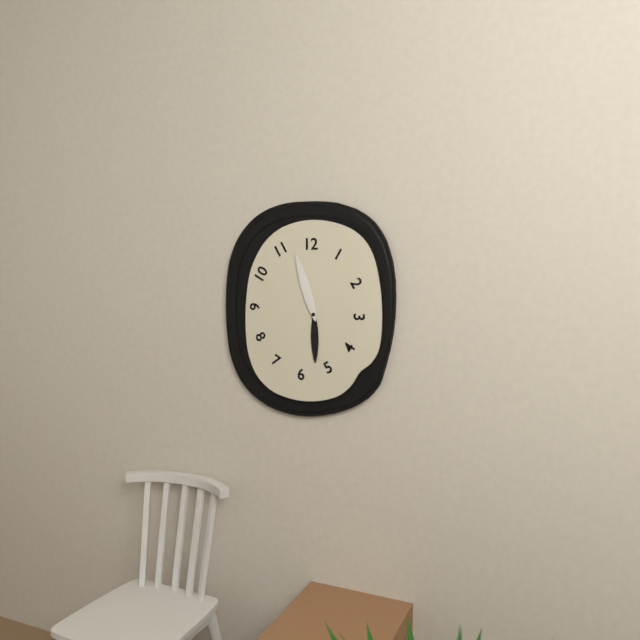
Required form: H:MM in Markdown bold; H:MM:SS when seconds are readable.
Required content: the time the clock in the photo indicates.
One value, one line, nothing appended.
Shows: **5:57**
